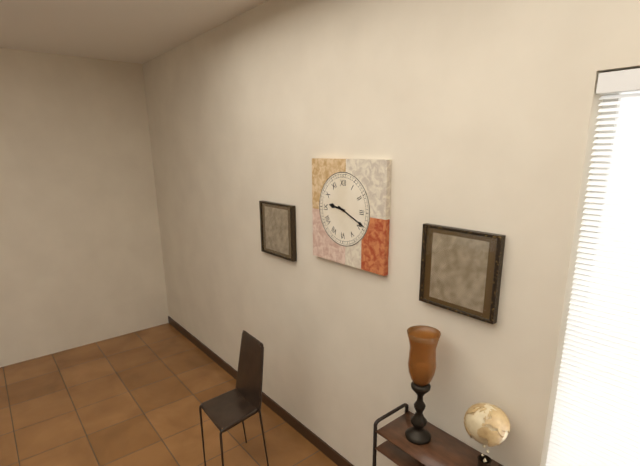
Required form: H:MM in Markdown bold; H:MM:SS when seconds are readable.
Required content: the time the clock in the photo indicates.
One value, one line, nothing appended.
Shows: **9:19**
